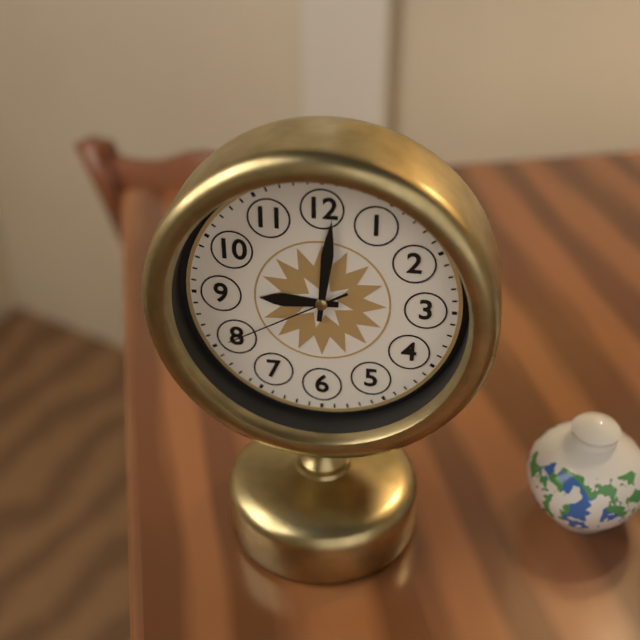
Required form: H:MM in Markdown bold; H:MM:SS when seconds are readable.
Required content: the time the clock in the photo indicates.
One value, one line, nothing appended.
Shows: **9:01:40**
